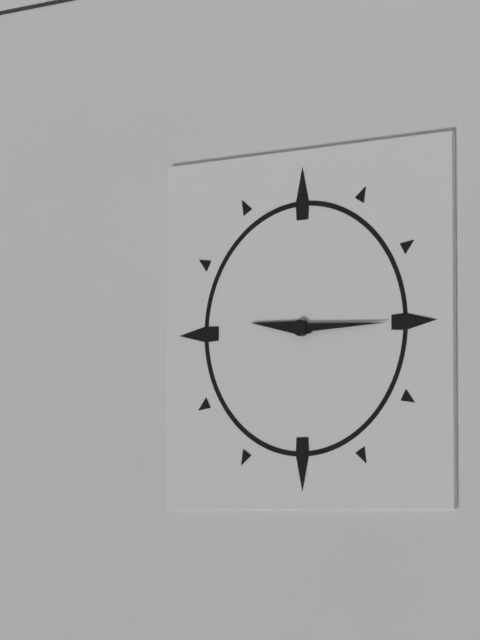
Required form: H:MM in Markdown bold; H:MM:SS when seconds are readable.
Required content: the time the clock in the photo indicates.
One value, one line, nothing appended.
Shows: **9:15**
